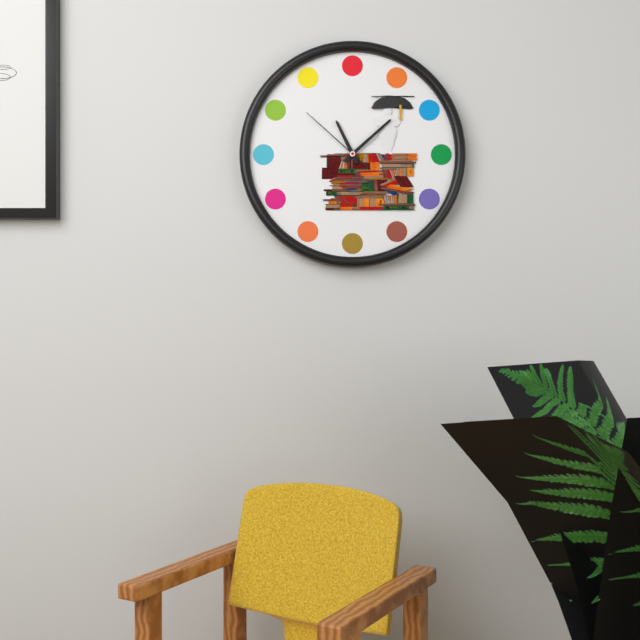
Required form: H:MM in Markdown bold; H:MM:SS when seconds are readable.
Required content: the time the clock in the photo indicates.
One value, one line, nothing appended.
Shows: **11:08:52**
